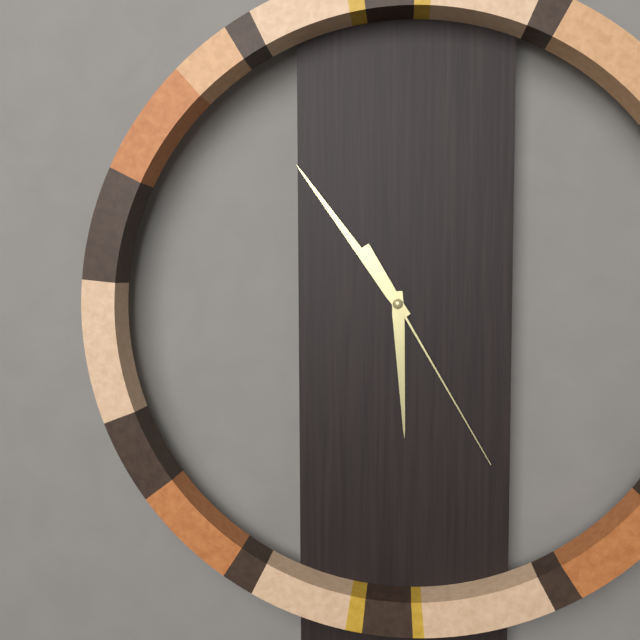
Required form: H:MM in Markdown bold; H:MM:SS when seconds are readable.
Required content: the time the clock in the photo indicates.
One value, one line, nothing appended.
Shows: **5:54:25**
